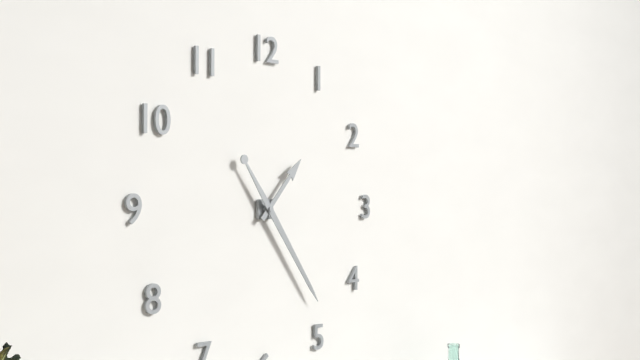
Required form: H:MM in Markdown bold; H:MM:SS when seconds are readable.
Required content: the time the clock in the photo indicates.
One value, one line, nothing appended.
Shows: **1:24**
